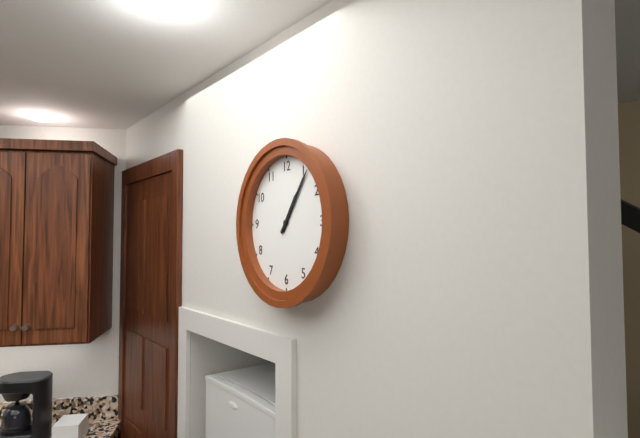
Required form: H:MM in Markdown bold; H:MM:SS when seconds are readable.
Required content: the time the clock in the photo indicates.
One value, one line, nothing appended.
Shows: **1:06**
